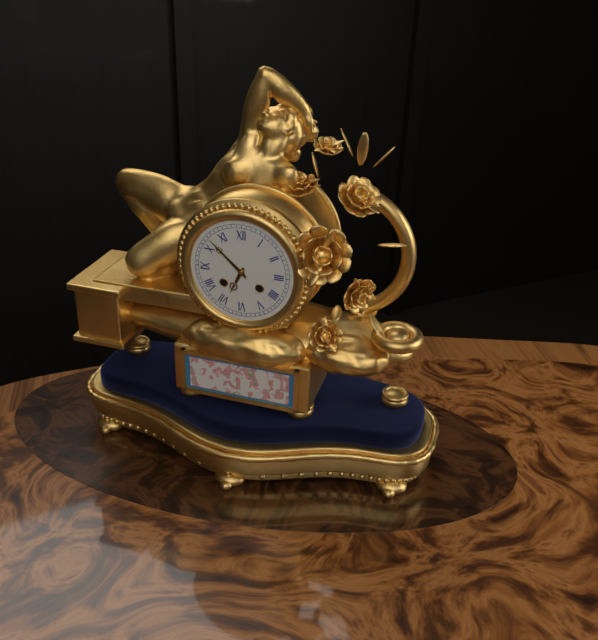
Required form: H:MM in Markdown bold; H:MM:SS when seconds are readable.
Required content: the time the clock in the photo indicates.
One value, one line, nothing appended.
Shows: **6:52**
